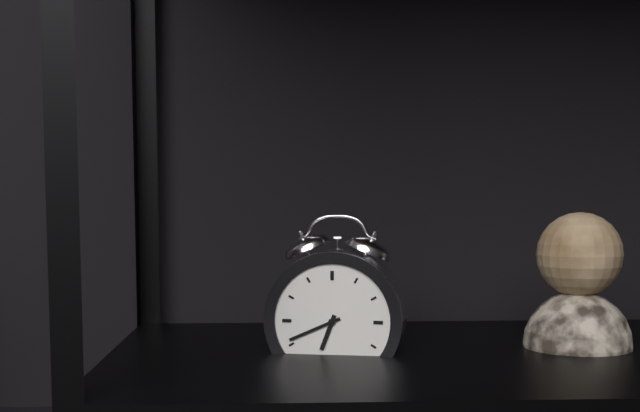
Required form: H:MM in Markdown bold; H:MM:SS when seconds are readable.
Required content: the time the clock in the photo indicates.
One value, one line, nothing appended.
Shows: **6:41**
